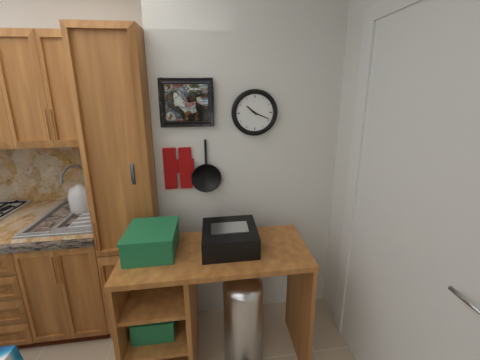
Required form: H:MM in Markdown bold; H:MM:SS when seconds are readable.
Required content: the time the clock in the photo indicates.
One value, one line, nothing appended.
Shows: **10:19**
